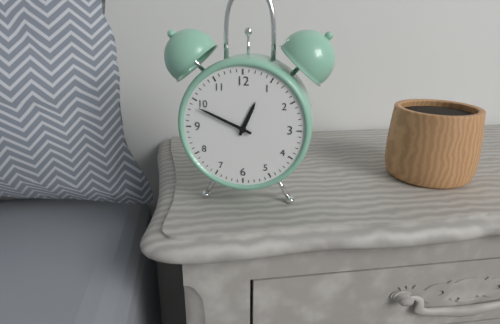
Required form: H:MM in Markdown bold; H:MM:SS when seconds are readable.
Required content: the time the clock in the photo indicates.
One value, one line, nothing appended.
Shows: **12:49**
